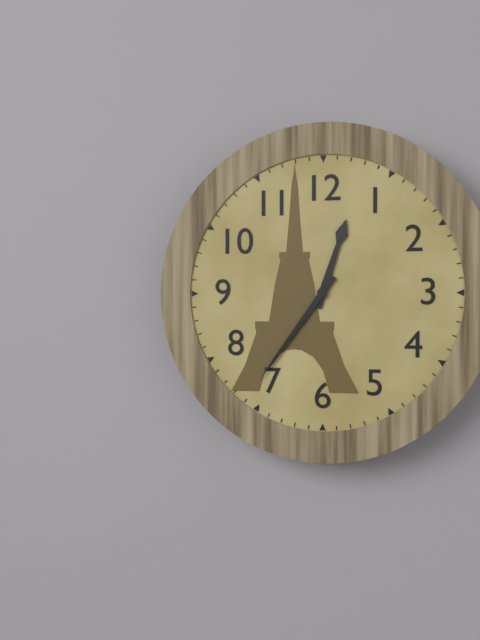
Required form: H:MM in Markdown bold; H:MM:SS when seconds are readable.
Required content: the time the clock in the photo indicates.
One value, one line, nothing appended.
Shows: **12:36**
